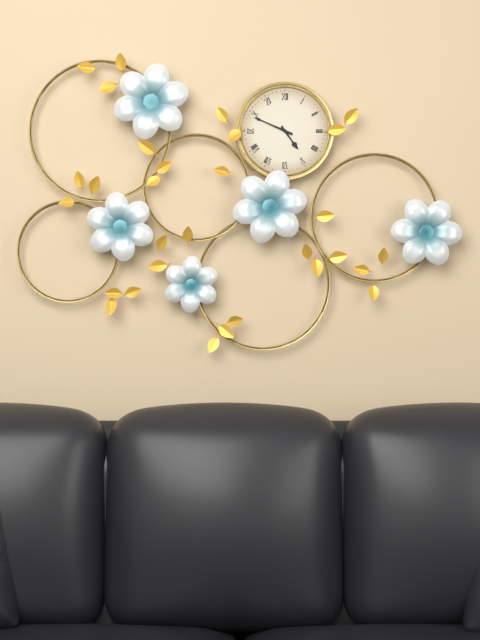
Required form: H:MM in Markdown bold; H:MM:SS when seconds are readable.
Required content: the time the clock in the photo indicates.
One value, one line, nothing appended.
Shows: **4:49**
